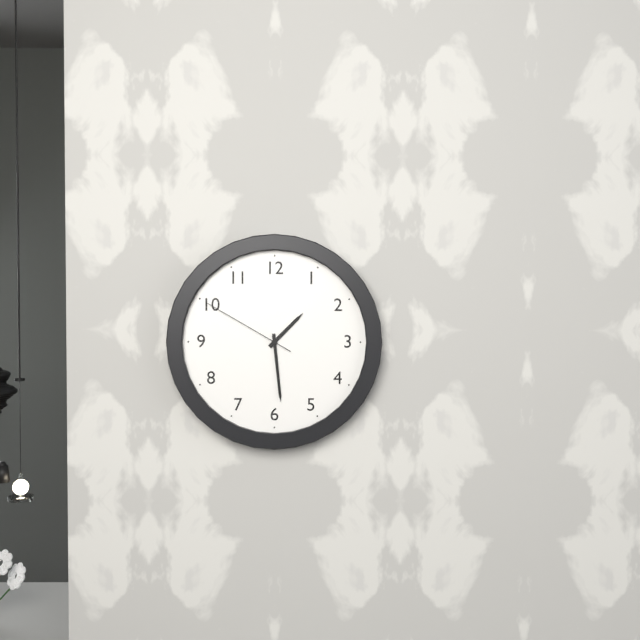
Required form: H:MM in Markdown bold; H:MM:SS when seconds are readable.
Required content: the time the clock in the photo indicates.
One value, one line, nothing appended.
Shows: **1:29:50**
